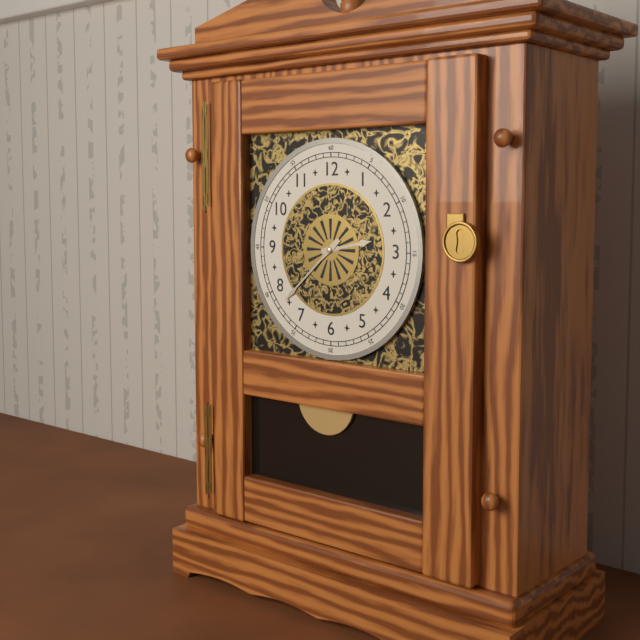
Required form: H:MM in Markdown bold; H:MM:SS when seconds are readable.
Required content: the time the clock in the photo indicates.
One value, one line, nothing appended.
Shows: **2:38**
